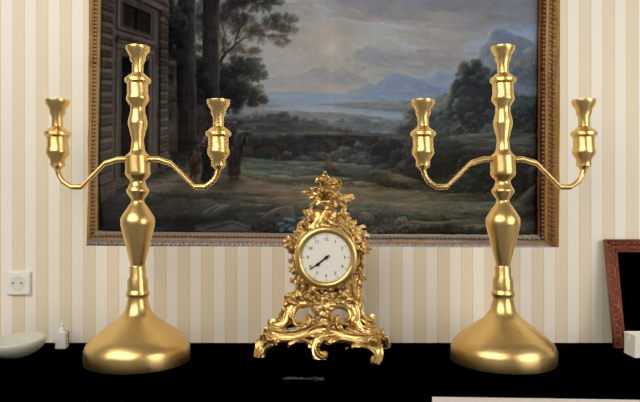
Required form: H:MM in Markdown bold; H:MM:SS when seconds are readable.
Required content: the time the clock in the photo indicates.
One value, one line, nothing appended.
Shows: **7:39**
